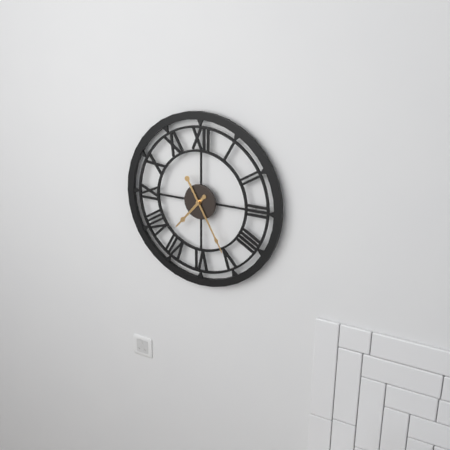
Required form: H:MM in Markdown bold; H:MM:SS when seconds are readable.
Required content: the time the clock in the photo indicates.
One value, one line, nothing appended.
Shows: **7:25**
